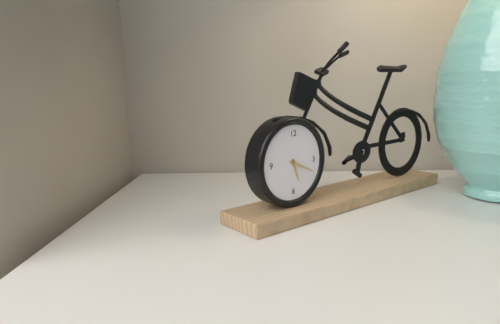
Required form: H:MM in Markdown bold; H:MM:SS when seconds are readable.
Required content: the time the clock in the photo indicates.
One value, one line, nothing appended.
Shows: **5:19**
